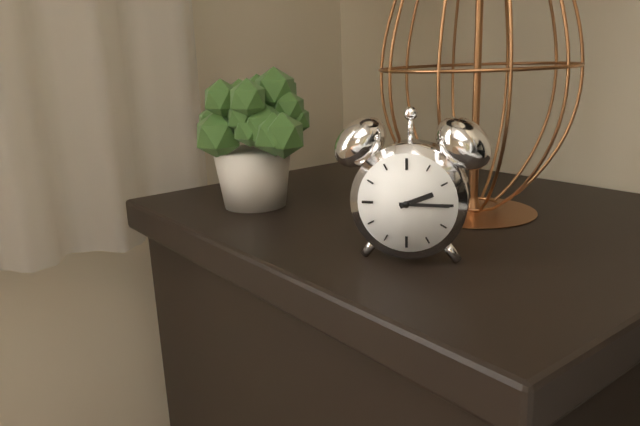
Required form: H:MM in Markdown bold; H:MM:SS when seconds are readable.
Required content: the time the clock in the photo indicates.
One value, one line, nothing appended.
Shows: **2:15**
